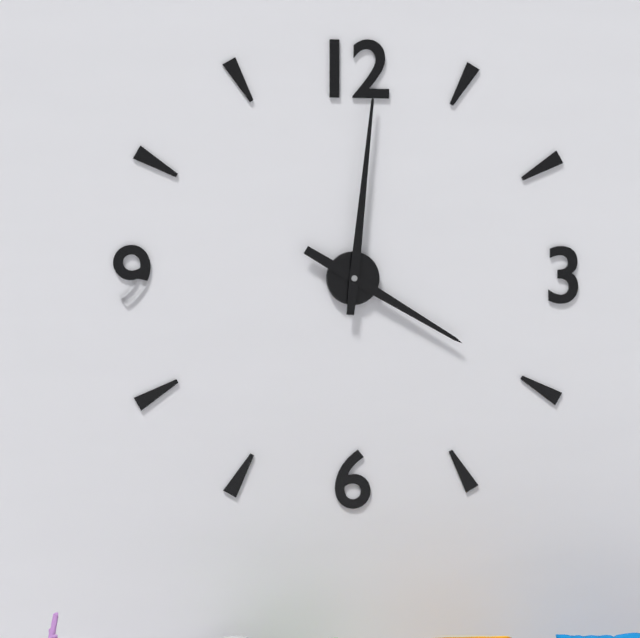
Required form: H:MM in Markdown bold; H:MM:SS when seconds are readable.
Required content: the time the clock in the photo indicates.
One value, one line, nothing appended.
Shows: **4:01**
